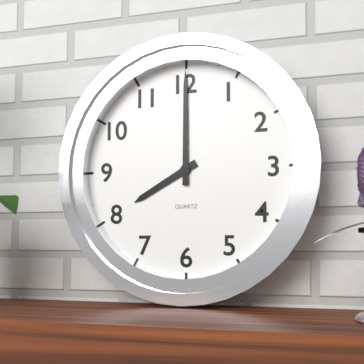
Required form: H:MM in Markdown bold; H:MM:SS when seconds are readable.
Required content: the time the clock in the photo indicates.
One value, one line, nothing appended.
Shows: **8:00**
